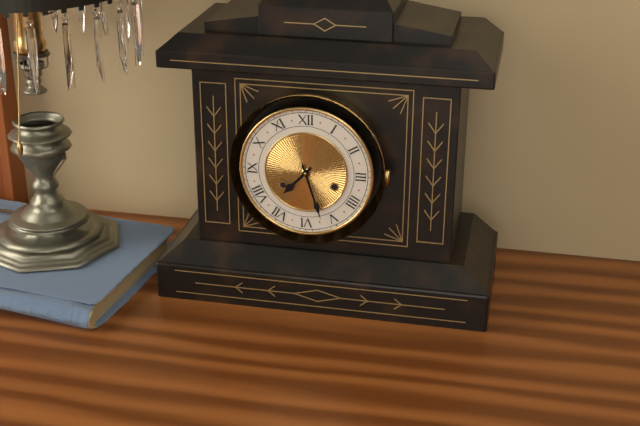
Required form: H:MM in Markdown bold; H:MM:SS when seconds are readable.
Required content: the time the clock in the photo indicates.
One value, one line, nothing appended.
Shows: **7:27**
